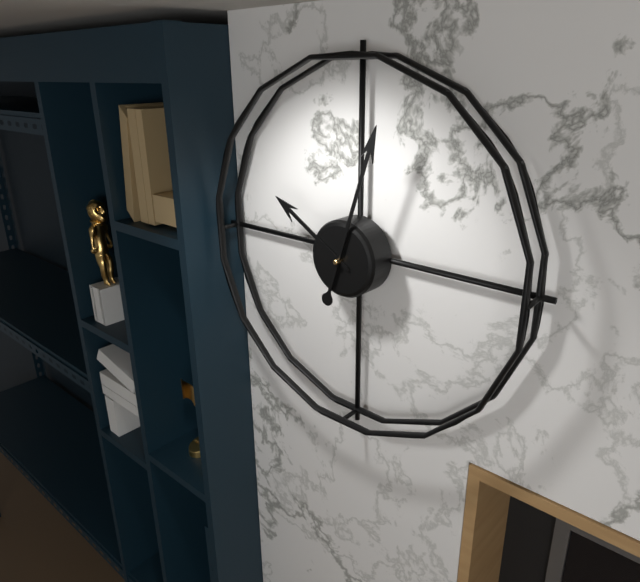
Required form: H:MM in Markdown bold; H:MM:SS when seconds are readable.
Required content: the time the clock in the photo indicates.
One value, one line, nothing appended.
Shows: **10:03**
